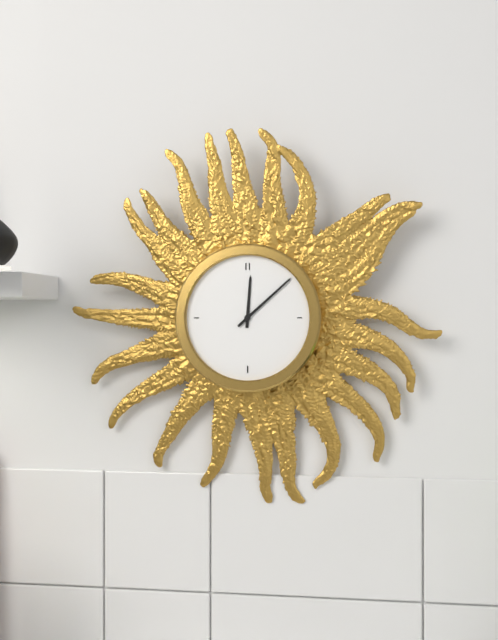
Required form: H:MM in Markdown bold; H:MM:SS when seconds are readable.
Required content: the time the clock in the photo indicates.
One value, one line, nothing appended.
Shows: **12:08**
